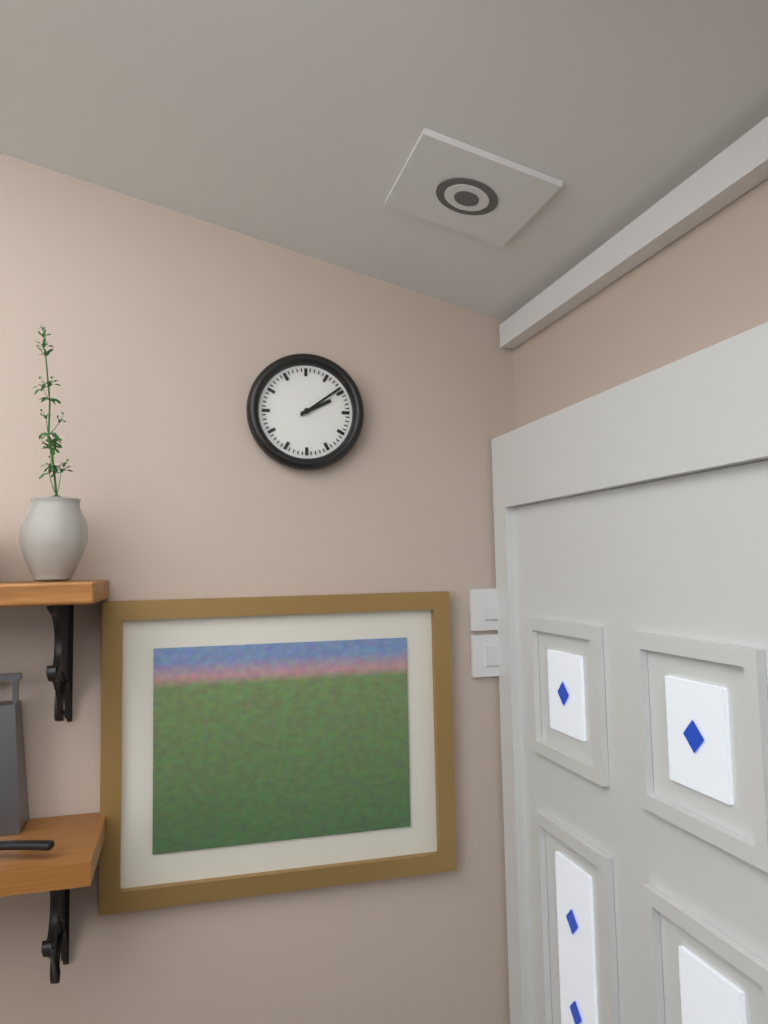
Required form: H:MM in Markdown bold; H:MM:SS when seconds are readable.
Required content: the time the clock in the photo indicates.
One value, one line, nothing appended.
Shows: **2:09**
